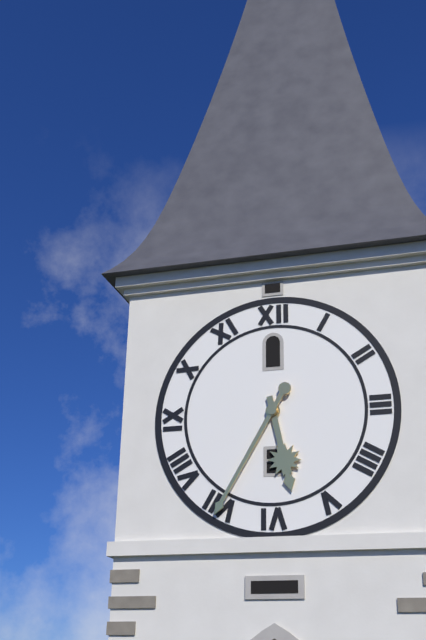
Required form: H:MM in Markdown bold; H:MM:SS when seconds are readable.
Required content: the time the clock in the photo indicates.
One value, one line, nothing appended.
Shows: **5:35**
